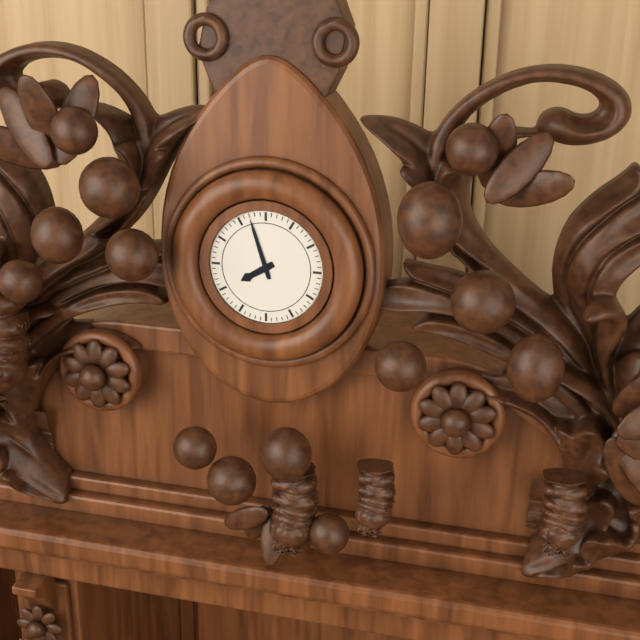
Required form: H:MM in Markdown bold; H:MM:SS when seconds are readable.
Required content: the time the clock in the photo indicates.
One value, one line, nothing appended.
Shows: **7:57**
